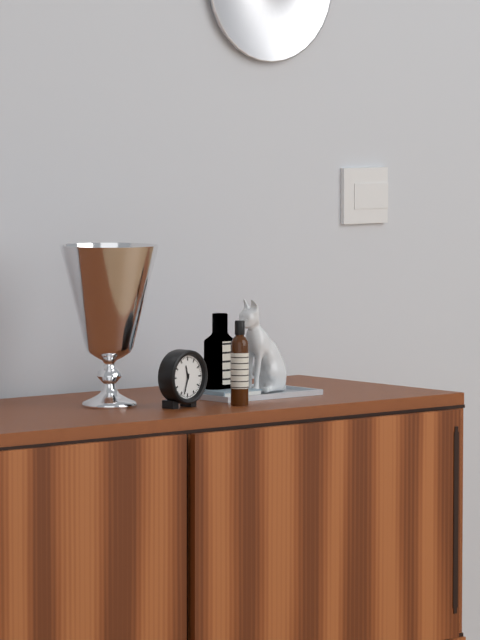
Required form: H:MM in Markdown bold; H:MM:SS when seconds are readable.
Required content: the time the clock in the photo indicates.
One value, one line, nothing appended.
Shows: **11:33**
